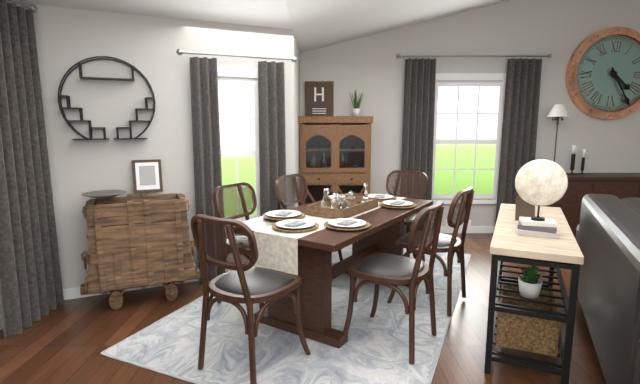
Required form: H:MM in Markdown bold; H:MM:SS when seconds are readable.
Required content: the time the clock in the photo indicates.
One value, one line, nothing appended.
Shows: **4:25**
